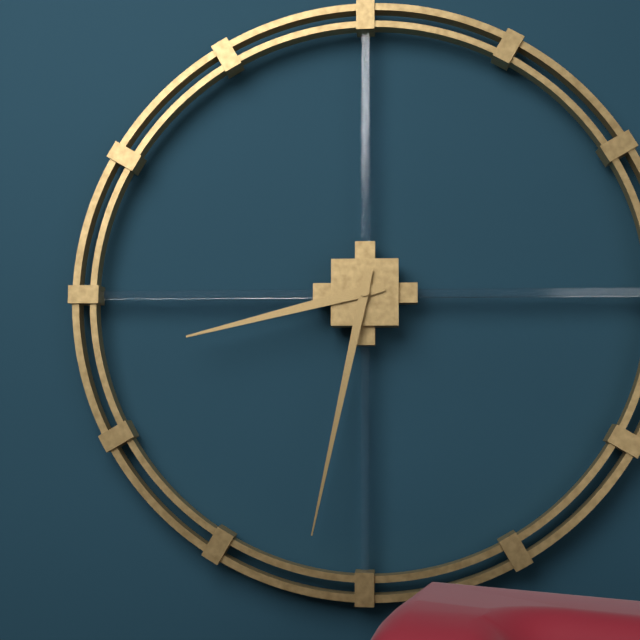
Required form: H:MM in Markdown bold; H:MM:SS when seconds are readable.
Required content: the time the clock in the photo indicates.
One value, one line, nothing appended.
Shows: **8:32**
